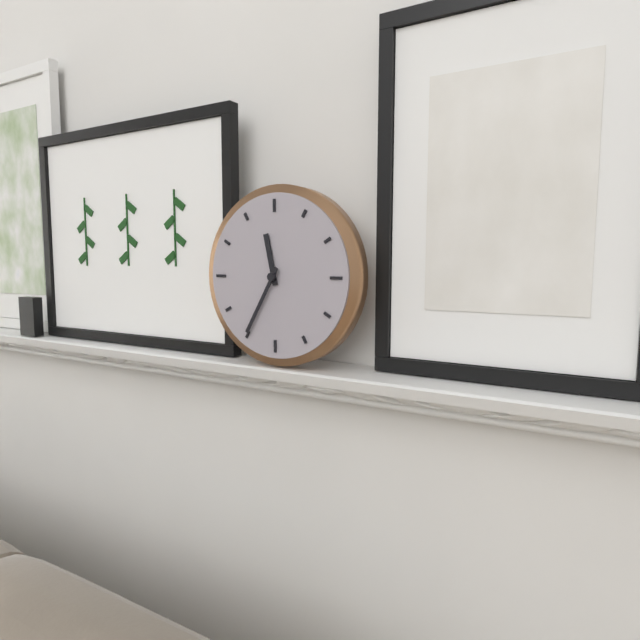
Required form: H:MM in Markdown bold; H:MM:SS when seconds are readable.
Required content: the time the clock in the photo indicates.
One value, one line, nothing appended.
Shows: **11:35**
